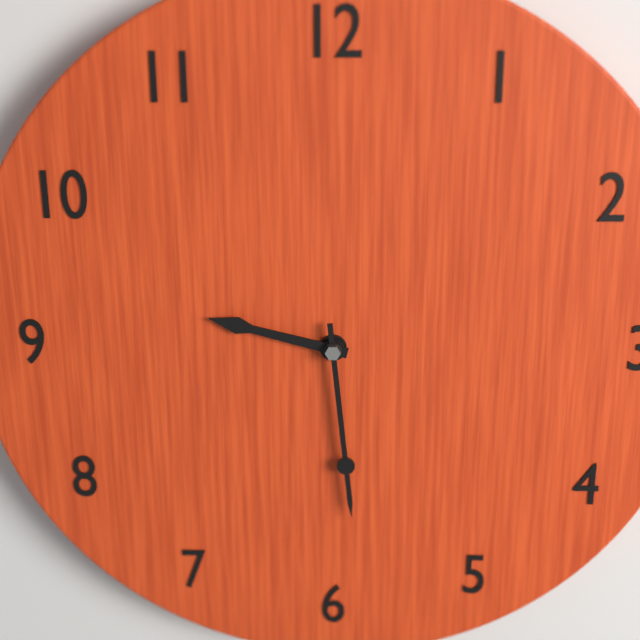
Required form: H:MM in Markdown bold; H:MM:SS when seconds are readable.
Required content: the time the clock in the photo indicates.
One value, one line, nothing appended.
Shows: **9:29**
